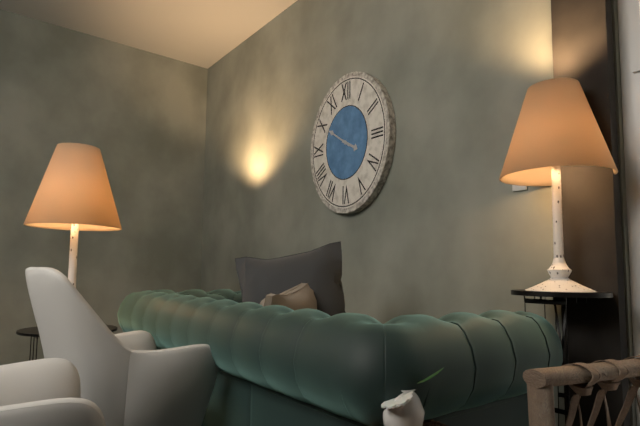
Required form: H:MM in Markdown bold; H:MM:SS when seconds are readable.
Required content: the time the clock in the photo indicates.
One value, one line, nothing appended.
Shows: **3:50**
